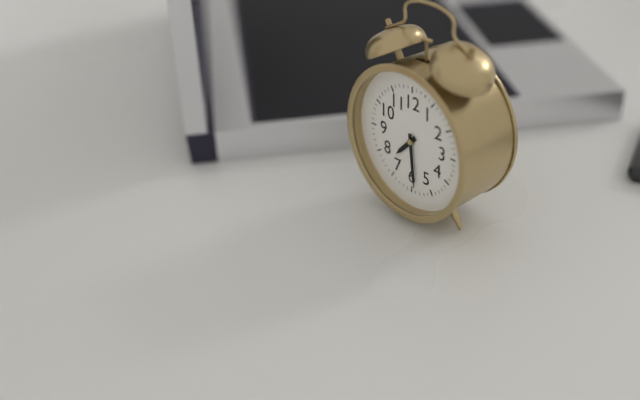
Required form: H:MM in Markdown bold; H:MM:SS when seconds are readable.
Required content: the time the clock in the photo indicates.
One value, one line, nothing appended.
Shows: **7:29**
